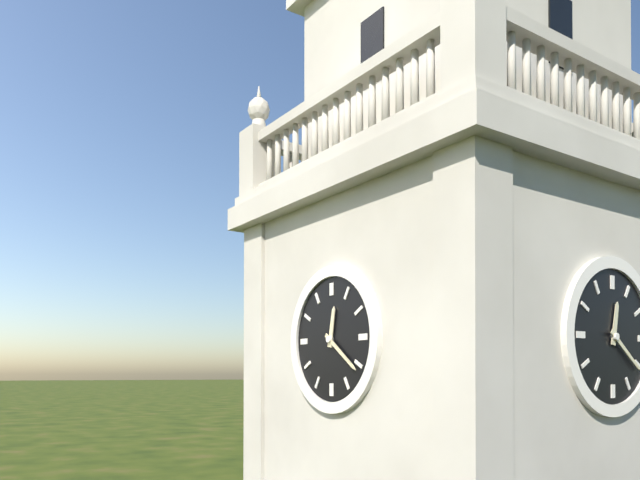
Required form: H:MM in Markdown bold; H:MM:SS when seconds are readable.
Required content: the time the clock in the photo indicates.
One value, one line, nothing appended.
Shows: **12:21**
